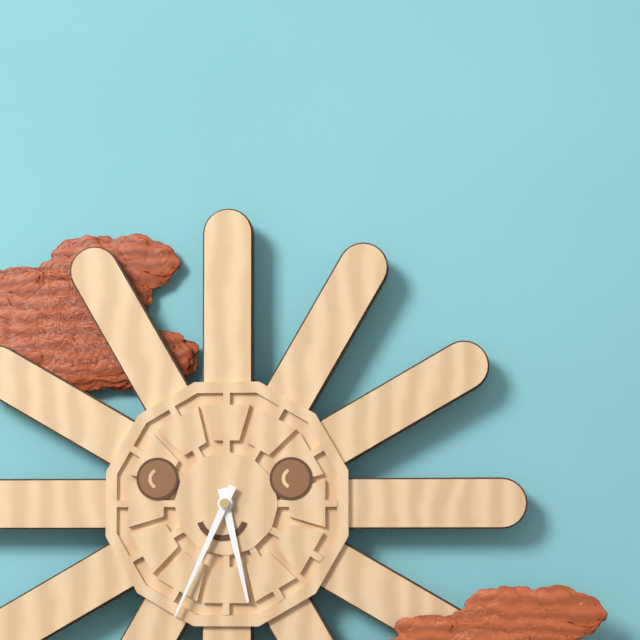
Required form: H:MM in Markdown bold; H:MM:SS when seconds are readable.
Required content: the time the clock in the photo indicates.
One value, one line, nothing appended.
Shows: **5:34**
